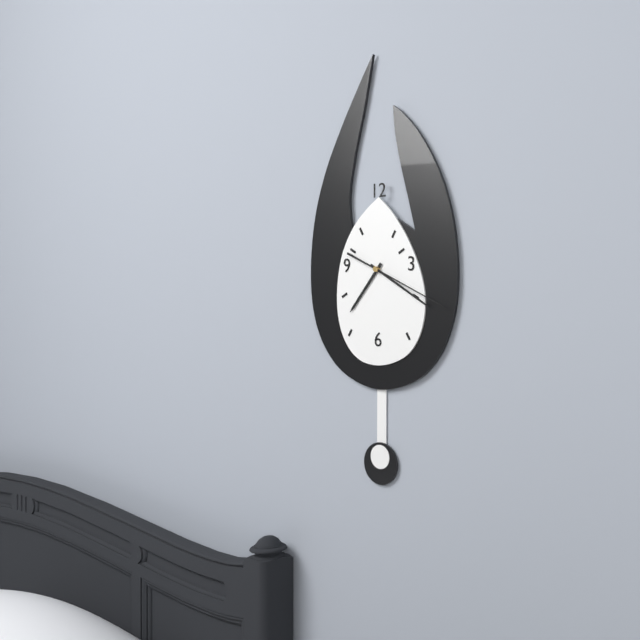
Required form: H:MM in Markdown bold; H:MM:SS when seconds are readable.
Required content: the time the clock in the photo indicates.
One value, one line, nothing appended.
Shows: **7:20:19**
